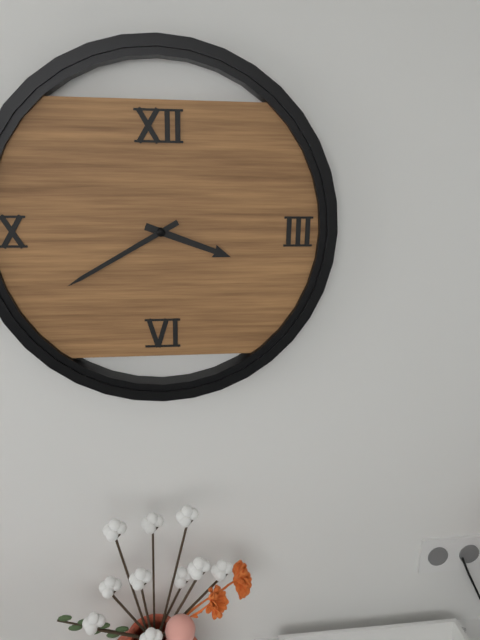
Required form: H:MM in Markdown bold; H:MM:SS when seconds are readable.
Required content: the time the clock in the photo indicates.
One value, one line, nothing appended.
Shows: **3:40**
